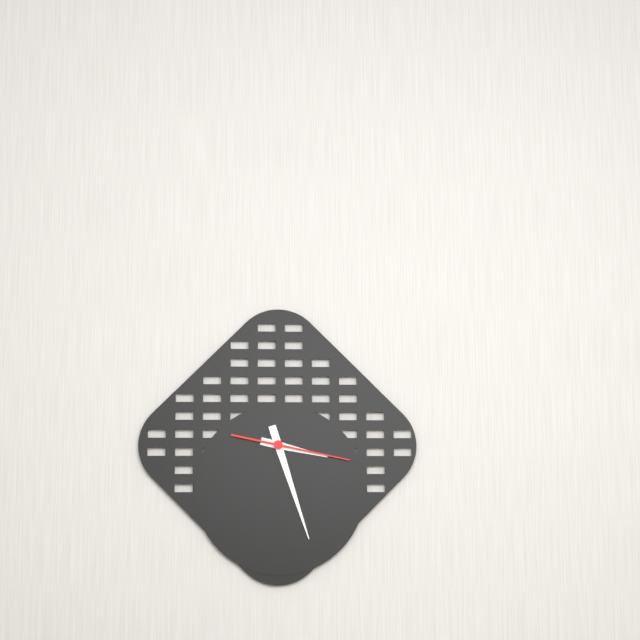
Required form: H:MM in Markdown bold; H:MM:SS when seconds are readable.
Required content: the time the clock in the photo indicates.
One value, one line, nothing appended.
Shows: **3:27:17**
